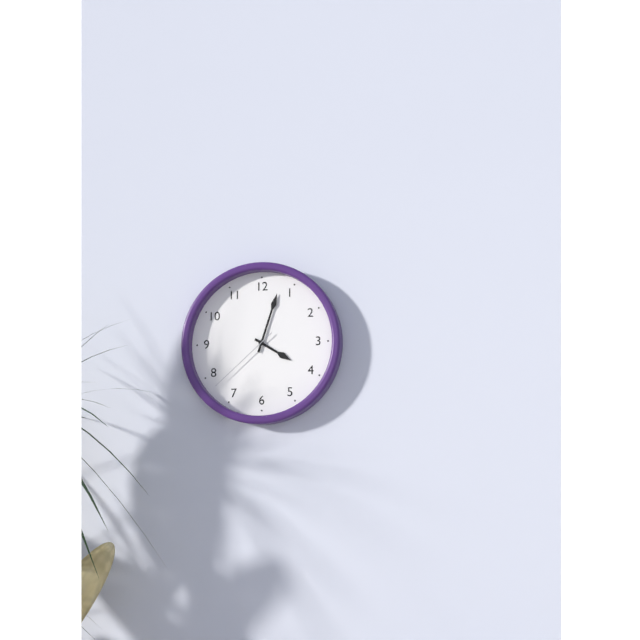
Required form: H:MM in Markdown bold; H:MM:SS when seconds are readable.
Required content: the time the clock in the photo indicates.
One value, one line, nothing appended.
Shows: **4:03:38**
